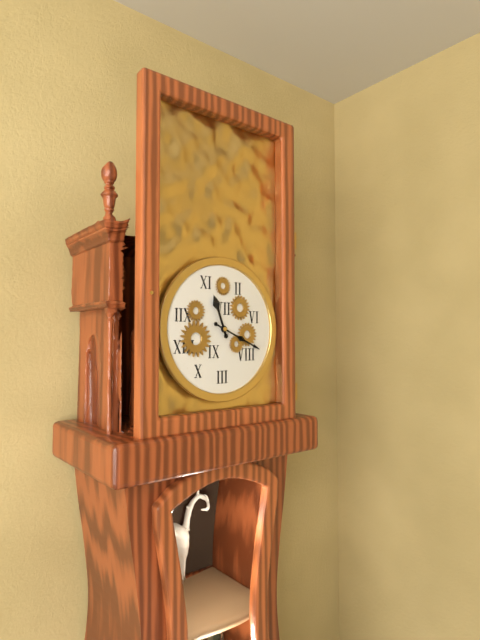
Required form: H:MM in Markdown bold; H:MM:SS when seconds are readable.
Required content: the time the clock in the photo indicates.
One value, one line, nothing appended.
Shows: **11:19**
